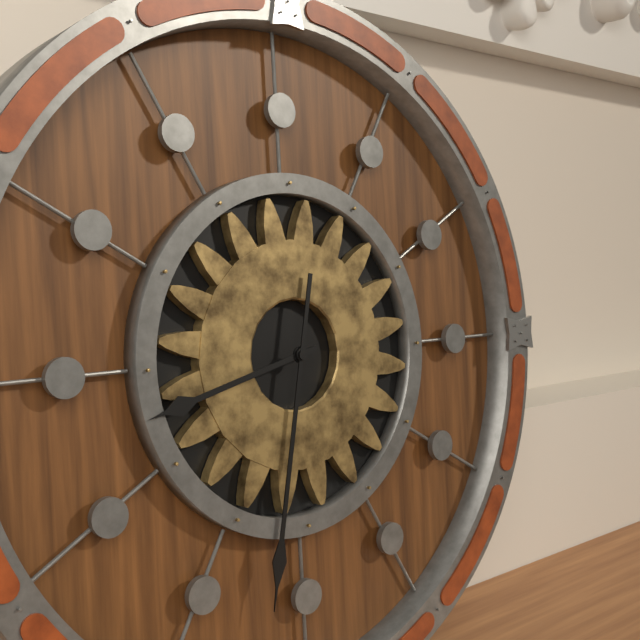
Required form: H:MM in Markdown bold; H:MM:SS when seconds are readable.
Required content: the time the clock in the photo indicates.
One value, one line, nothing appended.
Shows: **8:32**
